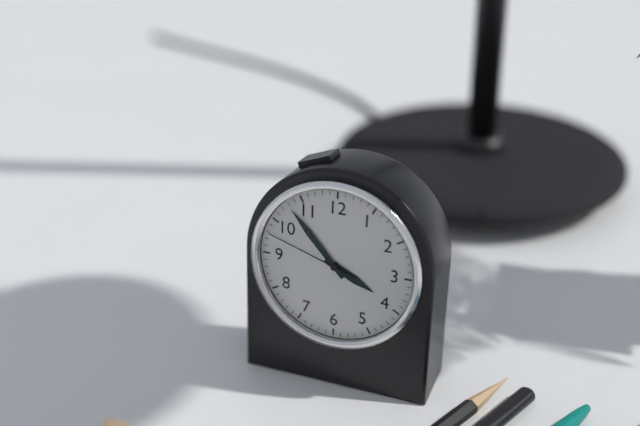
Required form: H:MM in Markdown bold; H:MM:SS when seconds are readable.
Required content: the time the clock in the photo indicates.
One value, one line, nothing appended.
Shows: **3:53:48**
